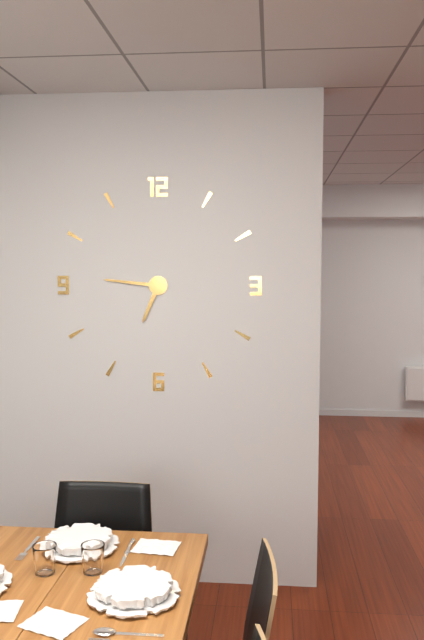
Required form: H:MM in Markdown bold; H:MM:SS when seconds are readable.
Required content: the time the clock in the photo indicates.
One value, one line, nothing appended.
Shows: **6:46**
